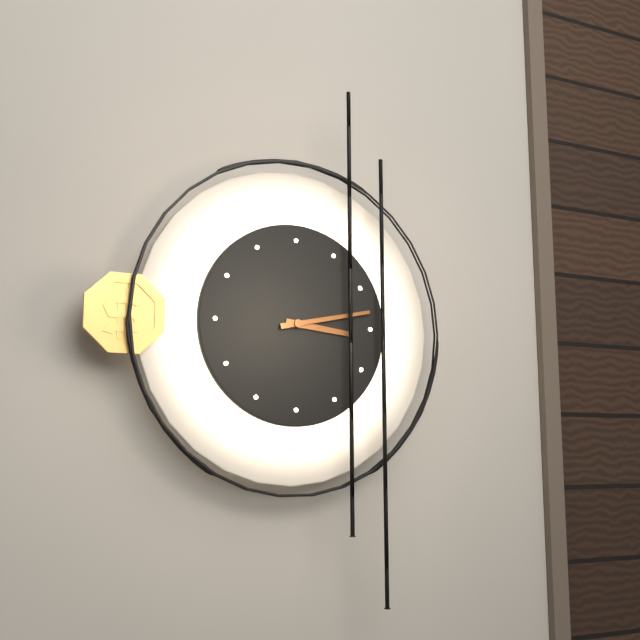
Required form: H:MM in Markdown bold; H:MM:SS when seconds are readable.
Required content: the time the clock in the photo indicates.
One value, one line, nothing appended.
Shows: **3:13**
